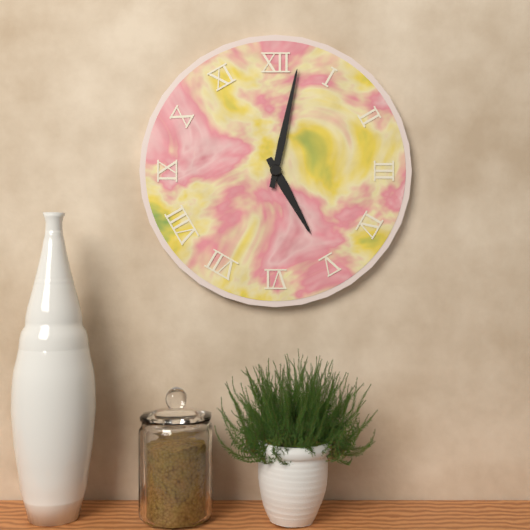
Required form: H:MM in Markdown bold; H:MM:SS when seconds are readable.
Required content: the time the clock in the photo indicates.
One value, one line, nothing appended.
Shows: **5:02**
